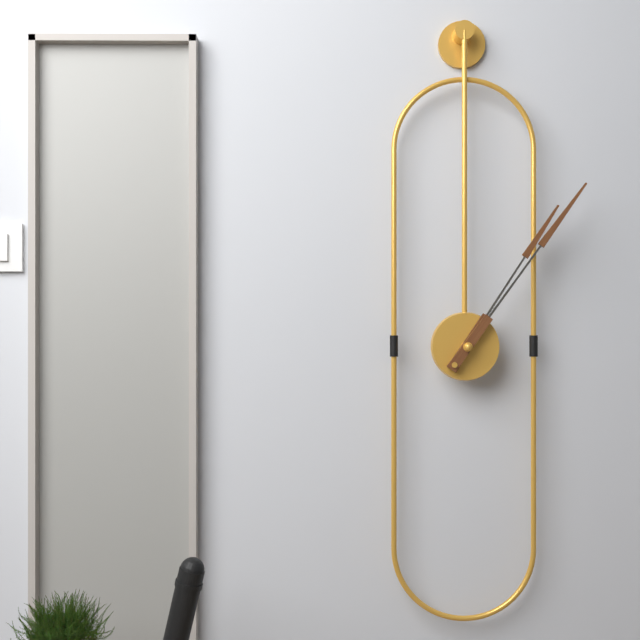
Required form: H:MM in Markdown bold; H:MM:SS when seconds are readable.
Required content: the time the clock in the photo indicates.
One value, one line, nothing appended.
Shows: **1:06**
